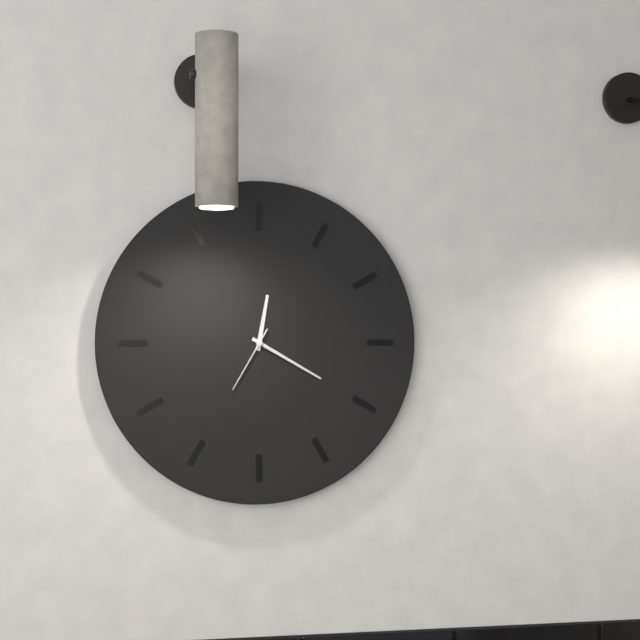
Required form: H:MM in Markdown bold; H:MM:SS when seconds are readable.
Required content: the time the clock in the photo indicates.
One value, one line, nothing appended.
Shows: **12:20:35**
